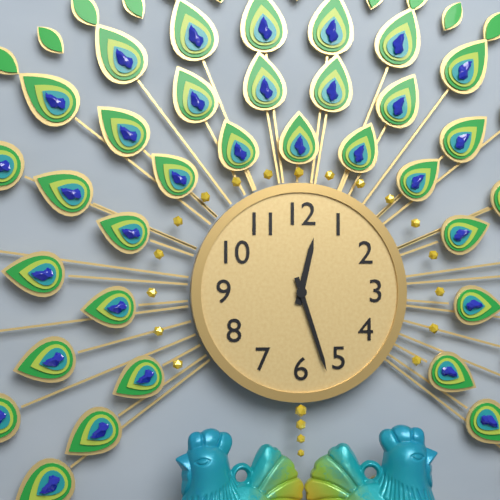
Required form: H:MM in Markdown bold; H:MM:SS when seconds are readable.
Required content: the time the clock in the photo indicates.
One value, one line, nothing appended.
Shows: **12:27**
